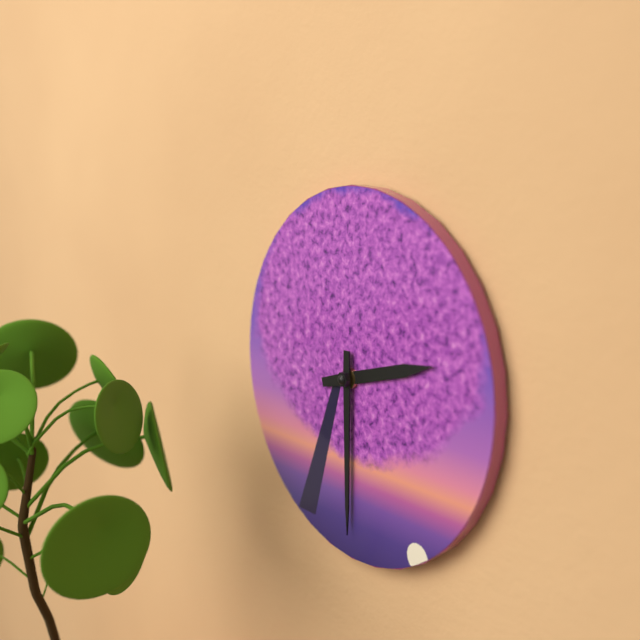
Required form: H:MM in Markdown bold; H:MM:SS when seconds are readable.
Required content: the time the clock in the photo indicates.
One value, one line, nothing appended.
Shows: **2:30**
